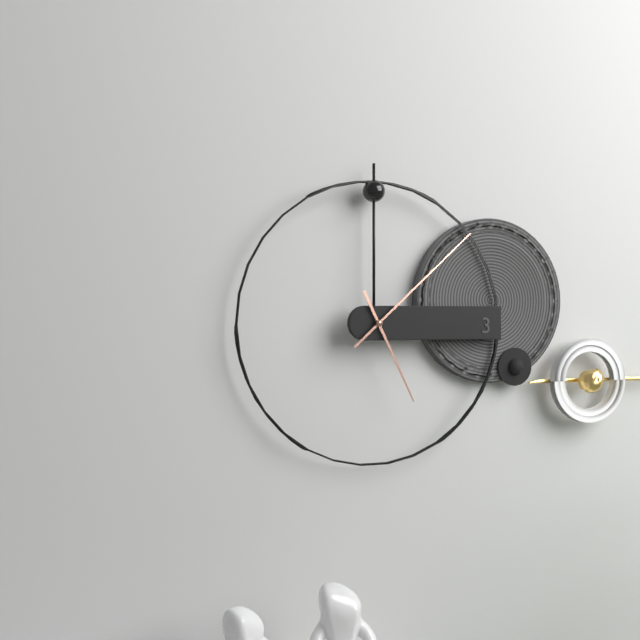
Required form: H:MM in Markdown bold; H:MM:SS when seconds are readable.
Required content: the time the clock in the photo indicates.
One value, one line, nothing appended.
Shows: **5:08**
